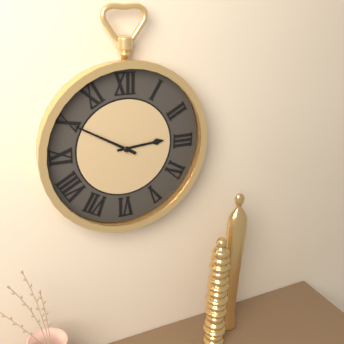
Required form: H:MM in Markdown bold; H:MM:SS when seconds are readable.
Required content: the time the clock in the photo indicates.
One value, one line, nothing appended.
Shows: **2:50**
